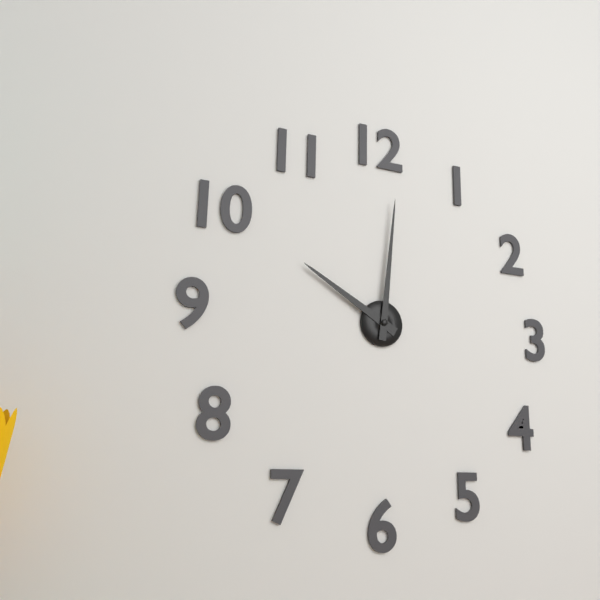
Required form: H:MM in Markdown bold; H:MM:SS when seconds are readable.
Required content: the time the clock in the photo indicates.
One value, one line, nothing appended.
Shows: **10:01**
